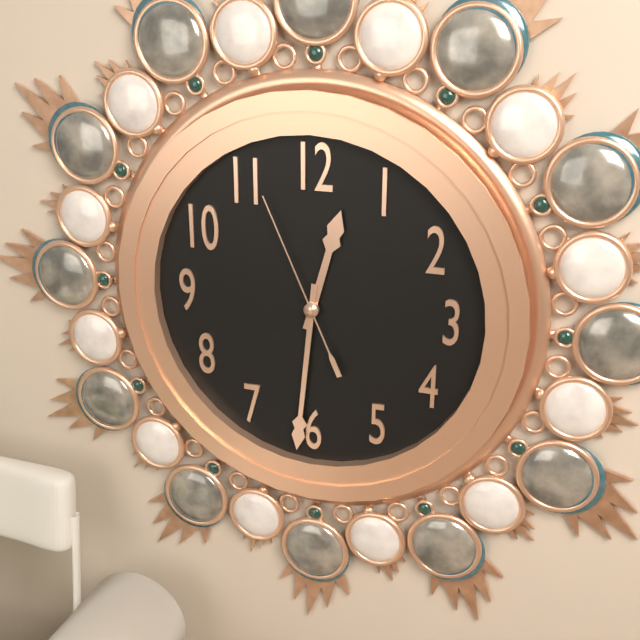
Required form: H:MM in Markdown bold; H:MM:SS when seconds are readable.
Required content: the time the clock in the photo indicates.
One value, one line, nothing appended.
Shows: **12:31:56**
